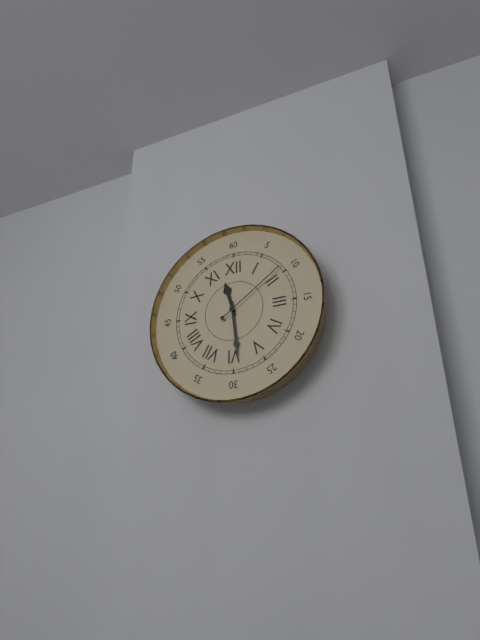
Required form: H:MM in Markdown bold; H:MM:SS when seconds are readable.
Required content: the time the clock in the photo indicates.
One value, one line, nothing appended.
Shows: **11:29:09**
